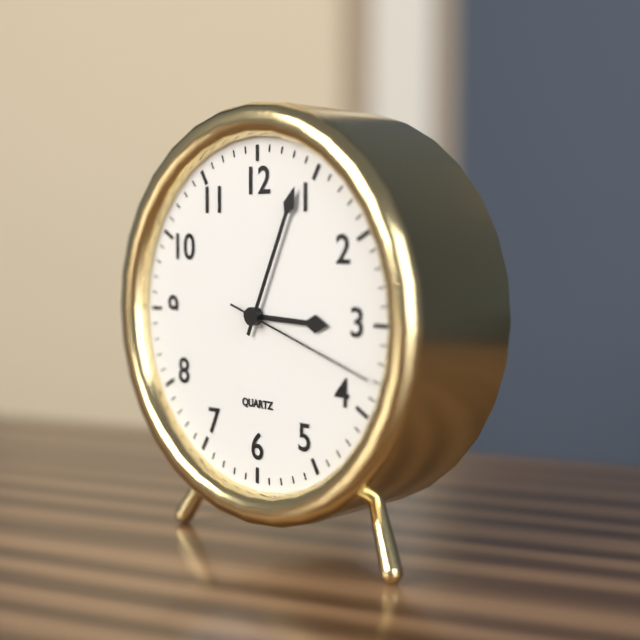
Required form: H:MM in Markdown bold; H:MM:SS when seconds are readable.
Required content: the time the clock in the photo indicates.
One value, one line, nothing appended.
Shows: **3:04:18**
